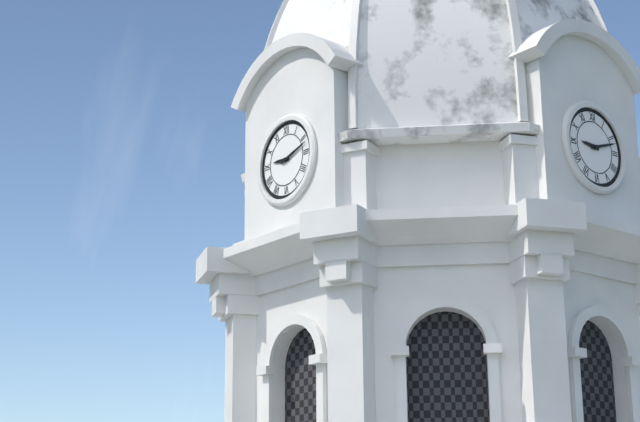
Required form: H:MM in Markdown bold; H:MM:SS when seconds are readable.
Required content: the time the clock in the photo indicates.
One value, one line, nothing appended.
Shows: **9:12**
